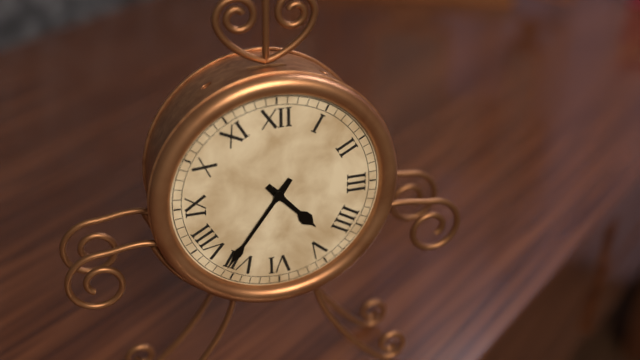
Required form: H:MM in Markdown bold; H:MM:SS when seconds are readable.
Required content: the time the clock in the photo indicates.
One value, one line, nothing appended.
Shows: **4:36**
